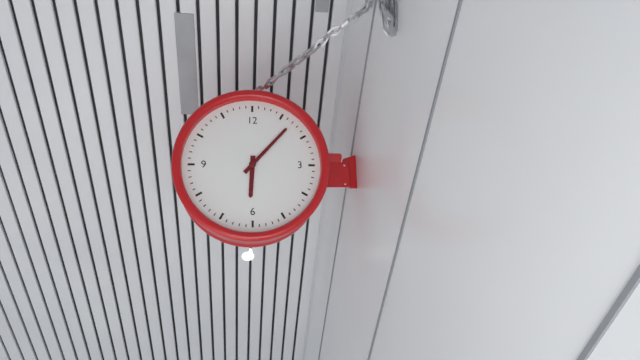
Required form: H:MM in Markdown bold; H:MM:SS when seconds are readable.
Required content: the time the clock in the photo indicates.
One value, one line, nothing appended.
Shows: **6:07**
